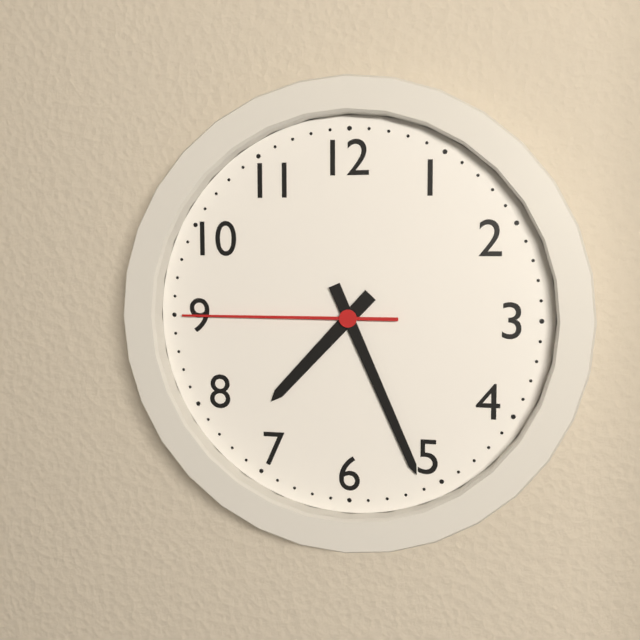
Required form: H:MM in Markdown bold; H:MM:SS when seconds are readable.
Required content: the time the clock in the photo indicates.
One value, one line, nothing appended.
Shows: **7:26:45**
